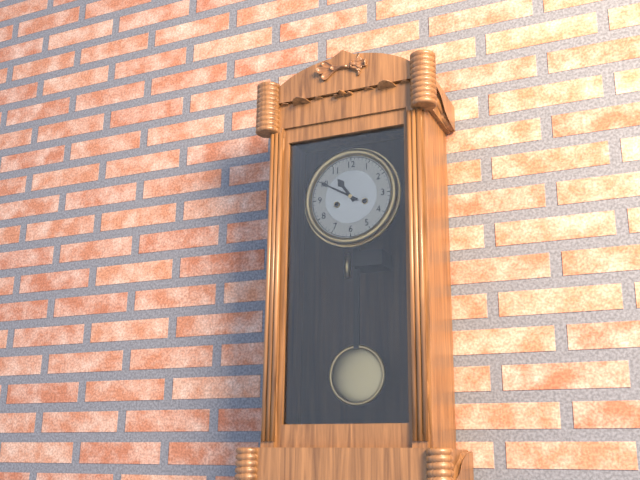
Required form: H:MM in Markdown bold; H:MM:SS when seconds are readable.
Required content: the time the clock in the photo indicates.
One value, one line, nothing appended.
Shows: **10:50**
